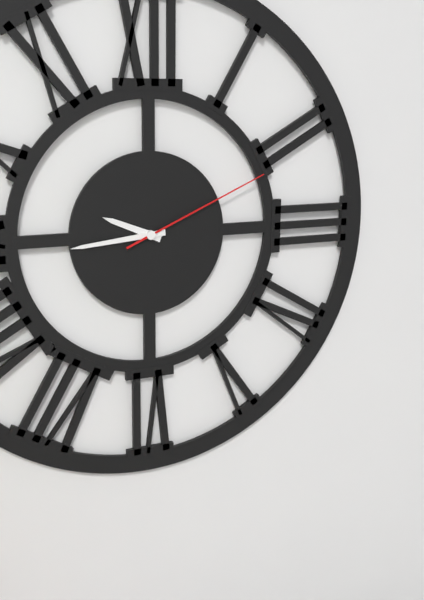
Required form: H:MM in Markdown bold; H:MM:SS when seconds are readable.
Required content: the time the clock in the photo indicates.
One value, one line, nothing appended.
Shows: **9:44:11**
